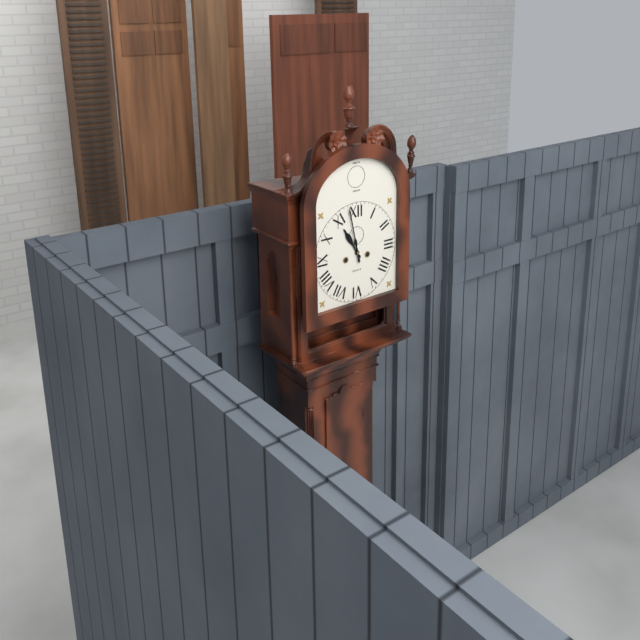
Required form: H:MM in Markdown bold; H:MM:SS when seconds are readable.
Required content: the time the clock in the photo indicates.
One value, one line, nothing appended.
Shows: **10:58**
